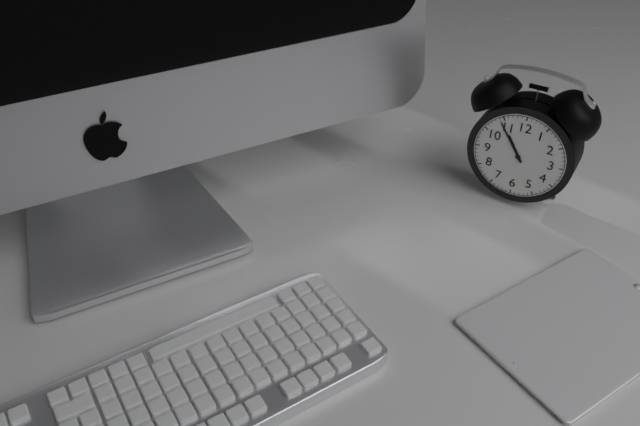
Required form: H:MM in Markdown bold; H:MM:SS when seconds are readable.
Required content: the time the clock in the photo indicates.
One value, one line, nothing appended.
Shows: **10:54**
